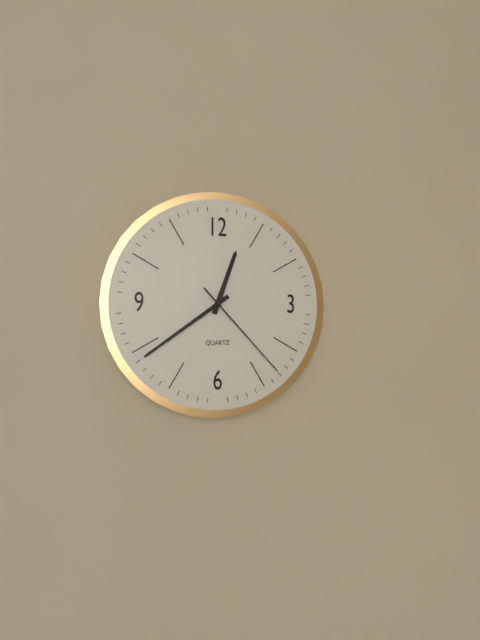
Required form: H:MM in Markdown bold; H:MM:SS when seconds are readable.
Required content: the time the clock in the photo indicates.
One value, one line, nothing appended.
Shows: **12:39:23**
